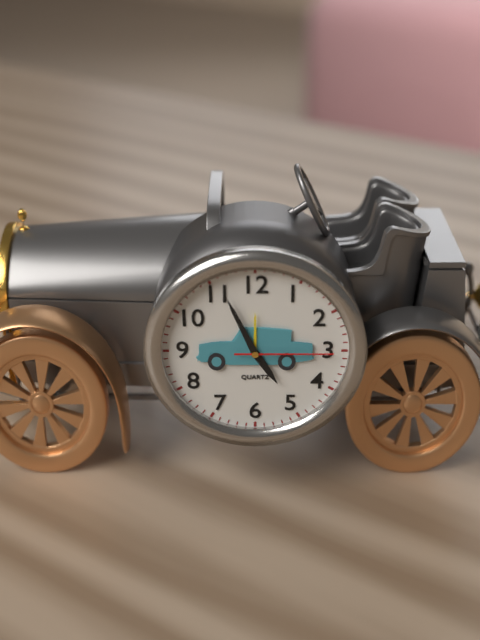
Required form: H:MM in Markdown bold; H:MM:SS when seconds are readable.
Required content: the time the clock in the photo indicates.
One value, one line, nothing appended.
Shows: **4:56:15**
